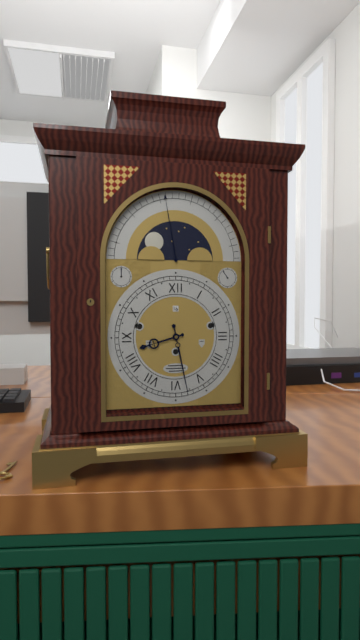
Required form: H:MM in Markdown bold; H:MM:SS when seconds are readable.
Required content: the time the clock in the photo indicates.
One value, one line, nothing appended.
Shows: **8:28**
